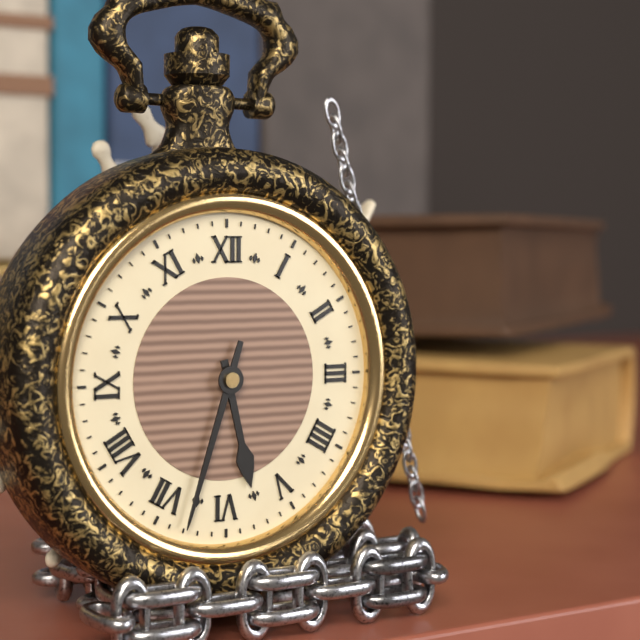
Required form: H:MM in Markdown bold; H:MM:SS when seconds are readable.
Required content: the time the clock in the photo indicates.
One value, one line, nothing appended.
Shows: **5:33**
